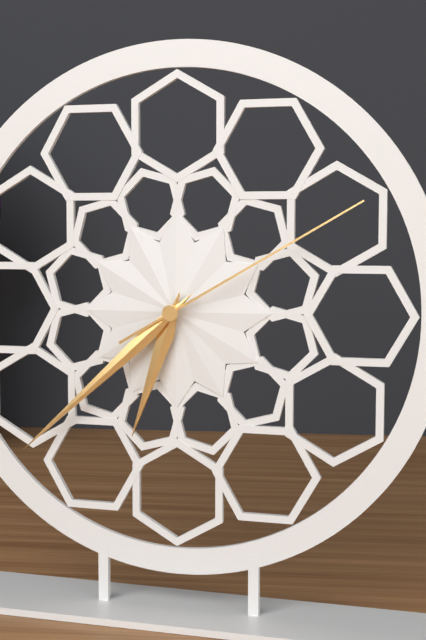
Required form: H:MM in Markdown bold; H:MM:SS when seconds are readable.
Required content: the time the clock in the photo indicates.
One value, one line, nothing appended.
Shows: **6:38:10**
